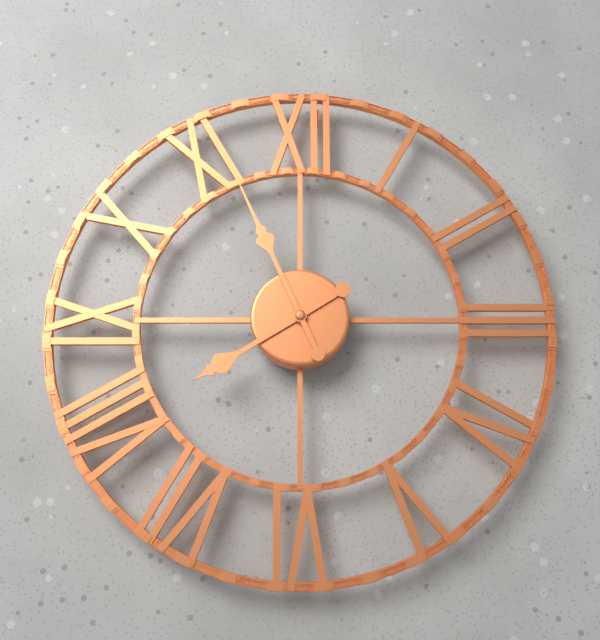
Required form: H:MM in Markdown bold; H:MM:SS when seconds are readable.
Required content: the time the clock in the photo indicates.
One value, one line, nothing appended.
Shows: **7:56**
